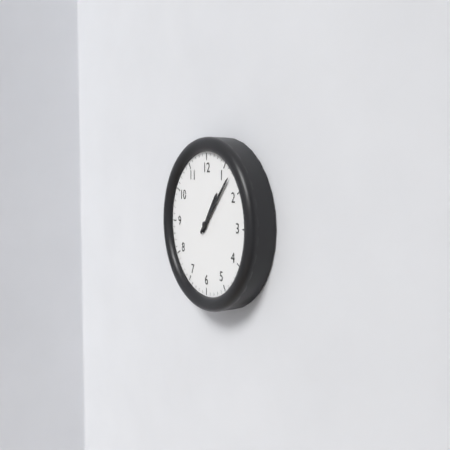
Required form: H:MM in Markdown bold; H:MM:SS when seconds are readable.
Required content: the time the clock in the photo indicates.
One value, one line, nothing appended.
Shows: **1:07**
